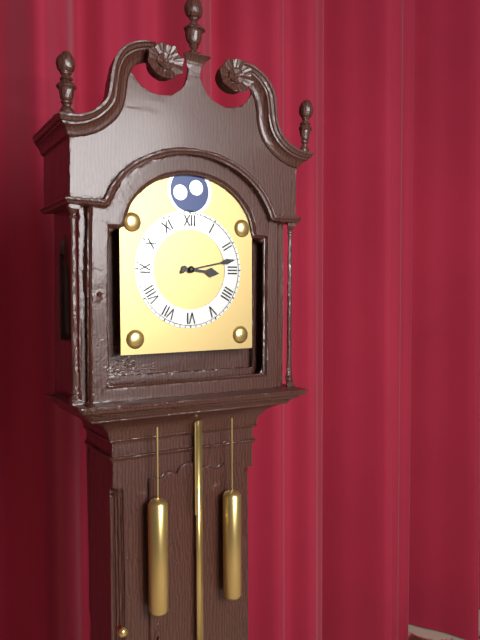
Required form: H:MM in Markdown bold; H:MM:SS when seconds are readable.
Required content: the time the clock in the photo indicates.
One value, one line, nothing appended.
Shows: **3:13**
